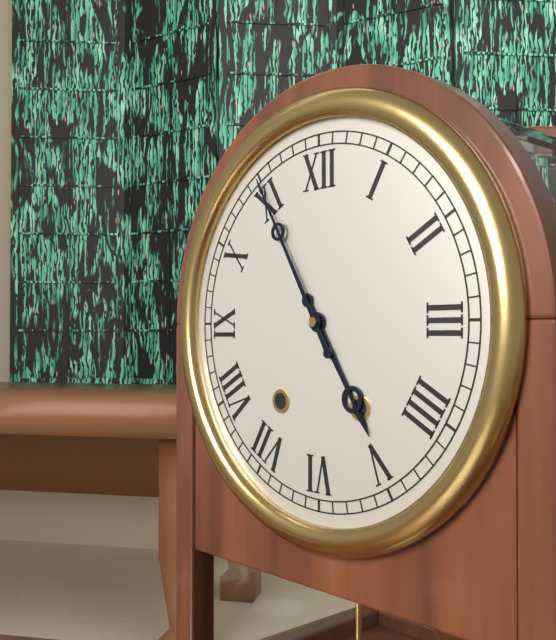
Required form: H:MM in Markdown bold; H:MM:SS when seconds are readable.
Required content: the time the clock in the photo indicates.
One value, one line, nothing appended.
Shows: **4:55**
